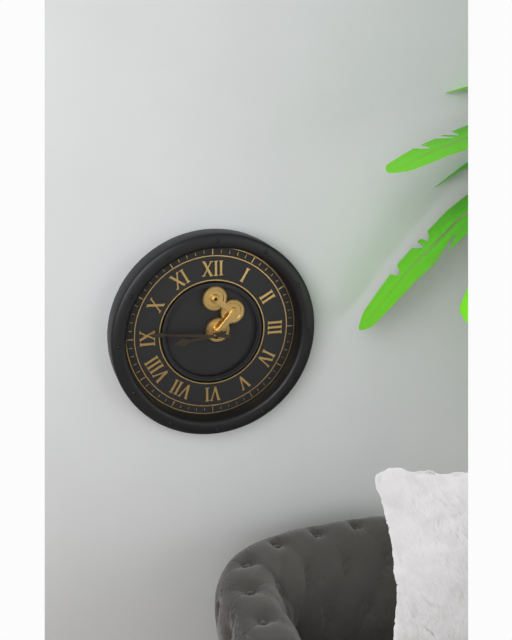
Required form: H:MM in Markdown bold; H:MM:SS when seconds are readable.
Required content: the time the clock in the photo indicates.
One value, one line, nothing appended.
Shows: **8:46**
